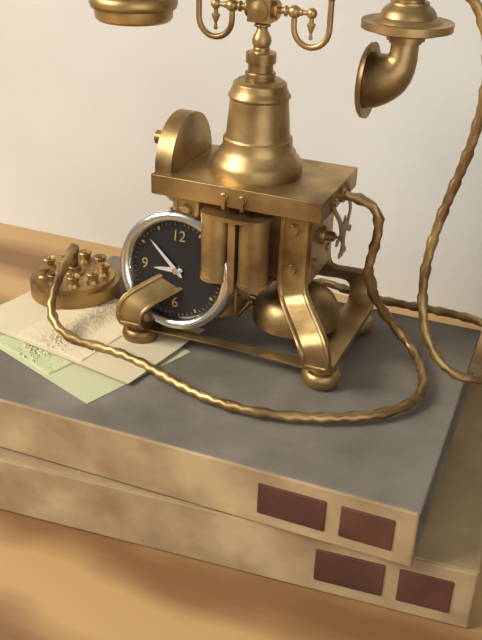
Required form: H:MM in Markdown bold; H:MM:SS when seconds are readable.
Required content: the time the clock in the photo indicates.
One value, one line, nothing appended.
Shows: **8:52**
